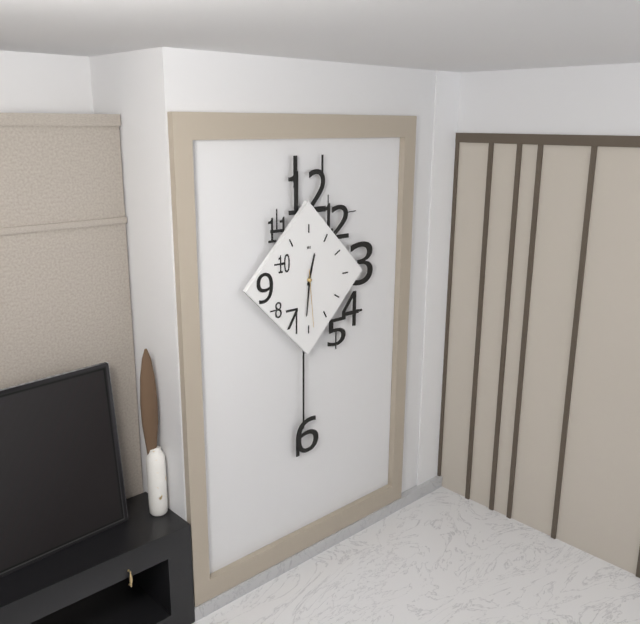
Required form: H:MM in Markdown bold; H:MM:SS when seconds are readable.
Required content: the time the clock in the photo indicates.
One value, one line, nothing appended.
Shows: **12:31:29**
